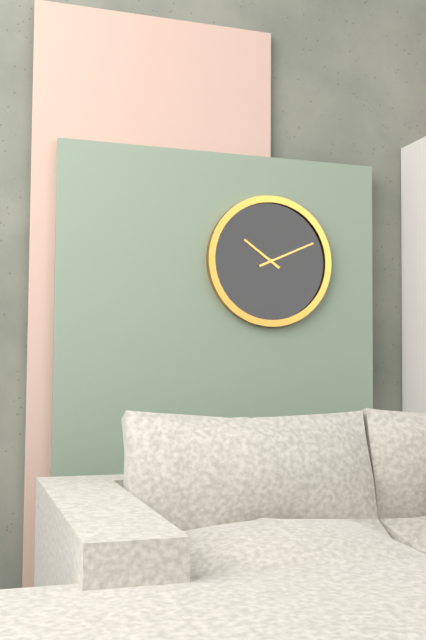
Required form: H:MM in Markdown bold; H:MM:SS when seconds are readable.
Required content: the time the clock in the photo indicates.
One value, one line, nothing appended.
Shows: **10:11**
